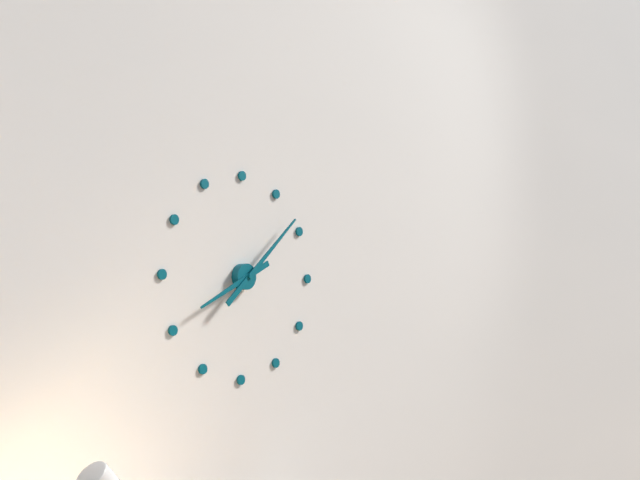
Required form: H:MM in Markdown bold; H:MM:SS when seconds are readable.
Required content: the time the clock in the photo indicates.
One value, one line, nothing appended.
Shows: **8:08**
